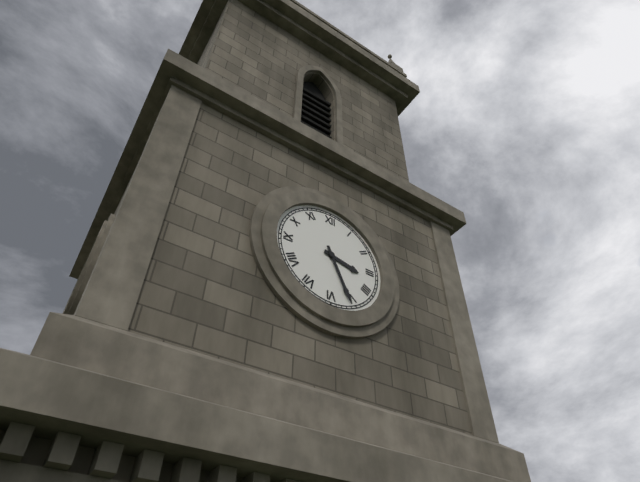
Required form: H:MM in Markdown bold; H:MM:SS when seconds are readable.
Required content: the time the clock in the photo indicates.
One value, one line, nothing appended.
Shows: **3:26**
